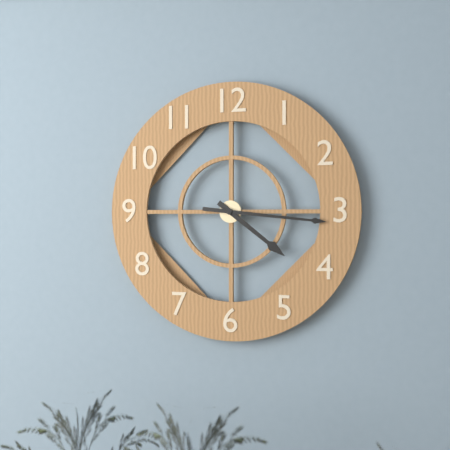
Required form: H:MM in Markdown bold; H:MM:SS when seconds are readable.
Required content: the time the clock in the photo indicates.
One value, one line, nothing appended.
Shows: **4:16**
